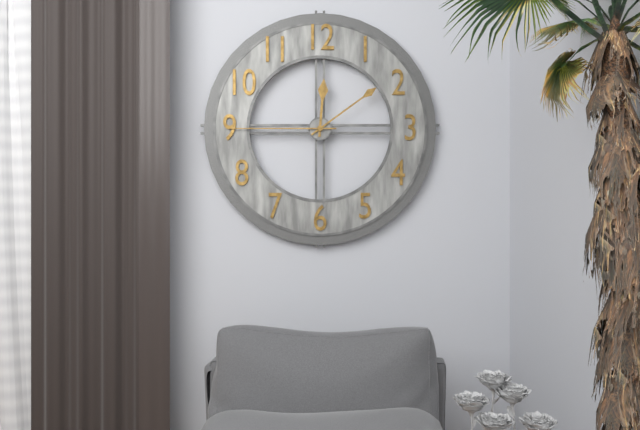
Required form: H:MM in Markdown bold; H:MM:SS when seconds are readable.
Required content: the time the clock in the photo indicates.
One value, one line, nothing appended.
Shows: **12:09:45**
